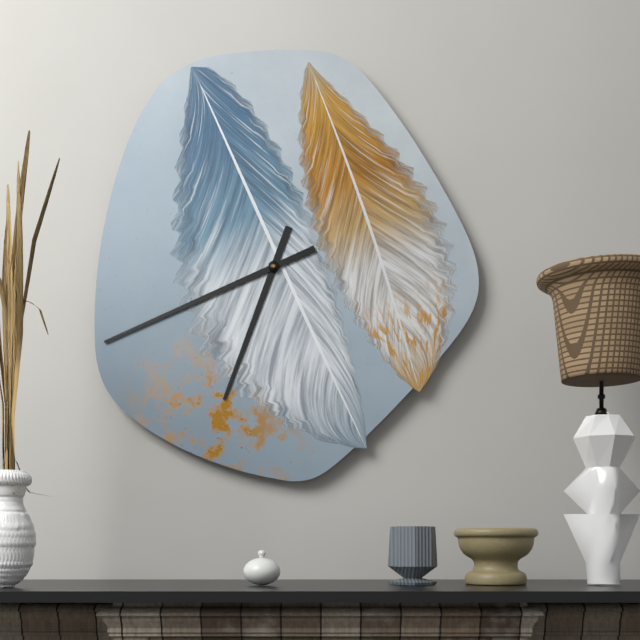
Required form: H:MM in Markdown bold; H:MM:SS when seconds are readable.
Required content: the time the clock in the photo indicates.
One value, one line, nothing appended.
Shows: **6:41**
